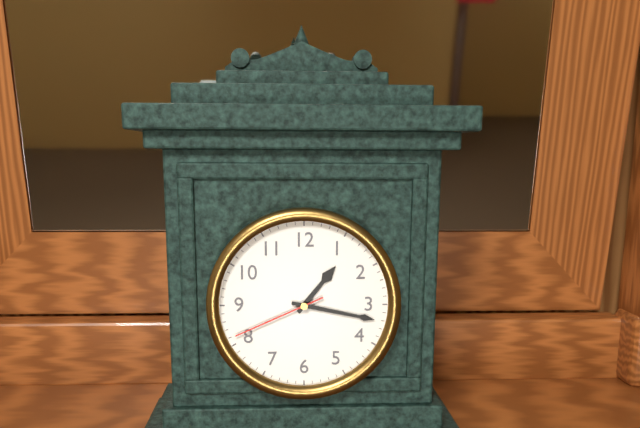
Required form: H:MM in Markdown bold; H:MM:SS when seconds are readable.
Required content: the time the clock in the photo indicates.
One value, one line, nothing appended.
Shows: **1:17:41**
